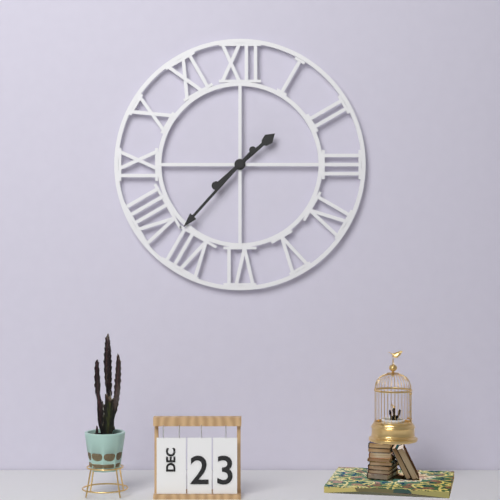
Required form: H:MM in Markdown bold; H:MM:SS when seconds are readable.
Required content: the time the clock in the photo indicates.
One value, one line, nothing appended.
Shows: **1:37**
